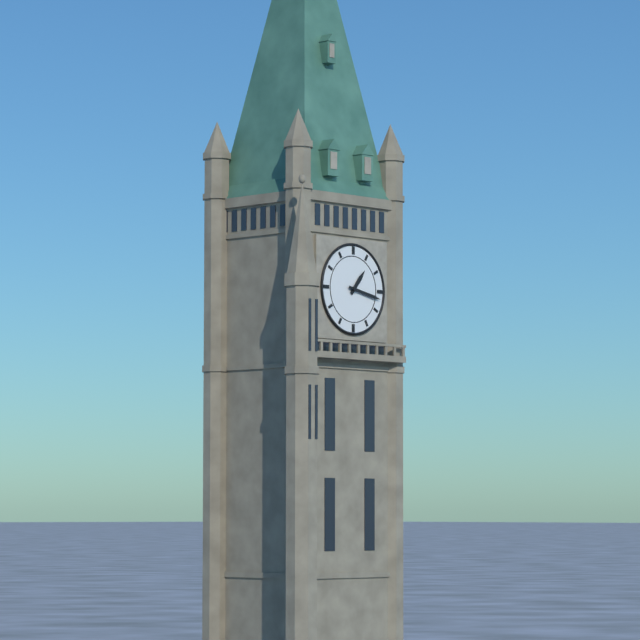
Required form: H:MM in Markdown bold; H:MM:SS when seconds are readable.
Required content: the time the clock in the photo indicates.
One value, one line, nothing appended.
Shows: **1:17**
